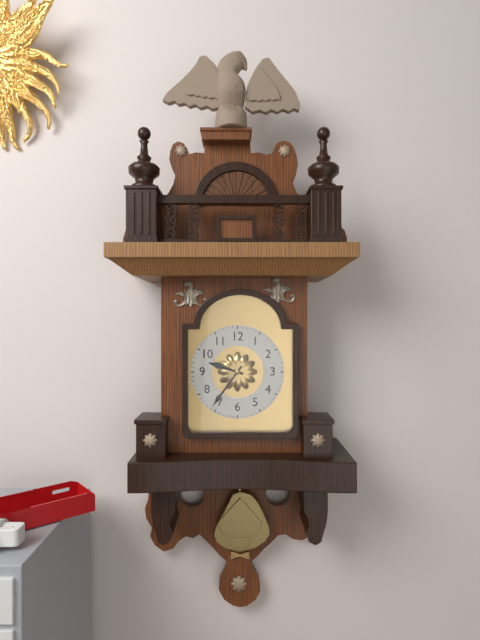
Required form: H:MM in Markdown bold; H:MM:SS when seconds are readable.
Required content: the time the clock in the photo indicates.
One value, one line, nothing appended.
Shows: **9:36**
